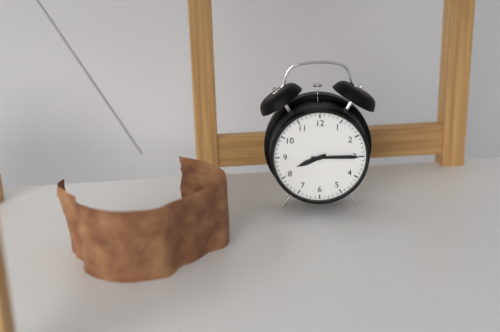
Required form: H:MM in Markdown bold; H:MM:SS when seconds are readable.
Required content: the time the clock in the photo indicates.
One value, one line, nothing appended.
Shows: **8:15**
